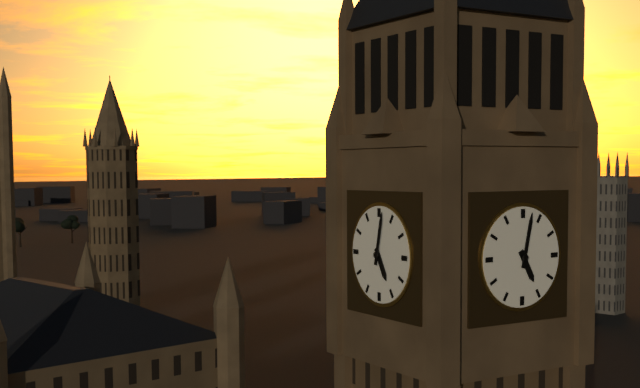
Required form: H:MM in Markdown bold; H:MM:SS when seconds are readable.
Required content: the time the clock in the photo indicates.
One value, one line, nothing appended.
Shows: **5:02**
